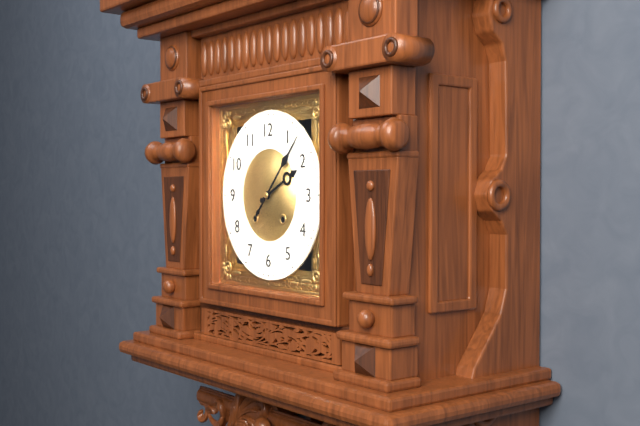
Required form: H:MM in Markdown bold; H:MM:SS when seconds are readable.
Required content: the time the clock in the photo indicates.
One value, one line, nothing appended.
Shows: **2:07**
